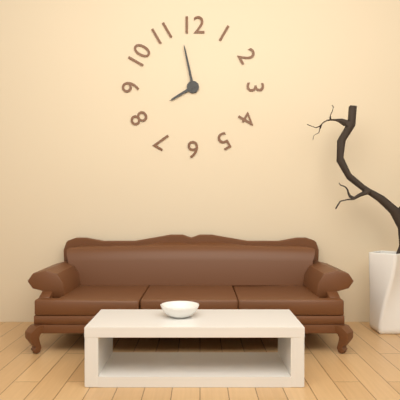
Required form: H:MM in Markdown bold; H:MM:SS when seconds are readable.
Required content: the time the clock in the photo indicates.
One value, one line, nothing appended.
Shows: **7:58**
